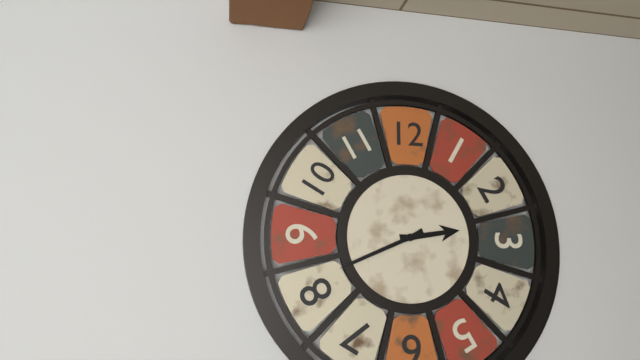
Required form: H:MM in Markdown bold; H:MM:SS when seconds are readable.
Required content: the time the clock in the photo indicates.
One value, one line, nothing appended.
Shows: **2:41**
